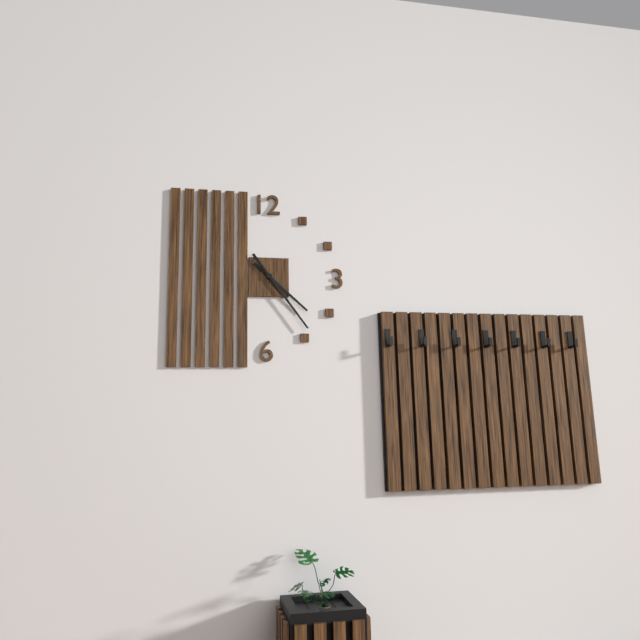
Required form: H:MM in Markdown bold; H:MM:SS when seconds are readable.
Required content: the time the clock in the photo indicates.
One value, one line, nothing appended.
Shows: **4:24**
